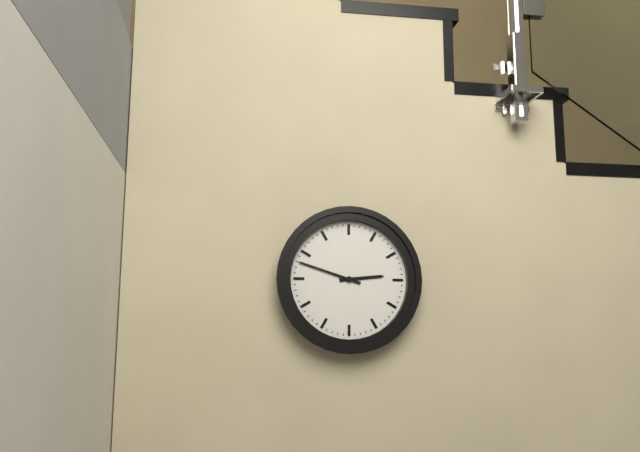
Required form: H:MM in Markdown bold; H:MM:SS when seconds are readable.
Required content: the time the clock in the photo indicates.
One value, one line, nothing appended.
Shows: **2:48**
